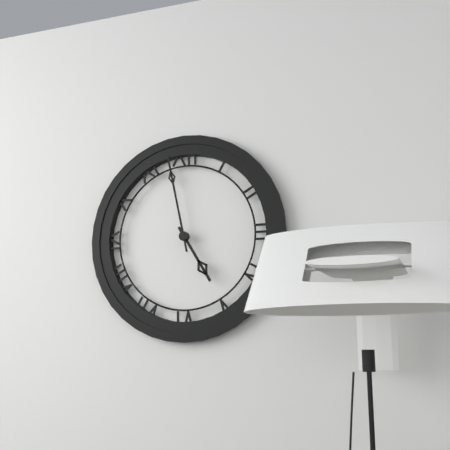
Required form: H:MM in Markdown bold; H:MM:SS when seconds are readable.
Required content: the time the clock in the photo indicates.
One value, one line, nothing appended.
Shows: **4:58**
